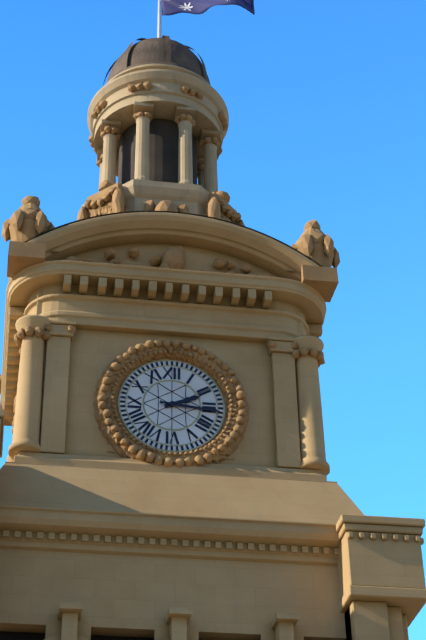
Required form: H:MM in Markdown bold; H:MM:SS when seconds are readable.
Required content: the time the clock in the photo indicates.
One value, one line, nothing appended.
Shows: **2:16**
